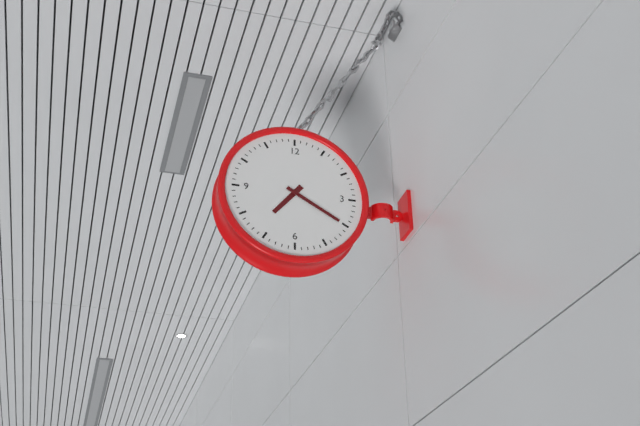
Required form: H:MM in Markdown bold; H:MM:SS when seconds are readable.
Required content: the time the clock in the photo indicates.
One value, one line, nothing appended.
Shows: **7:20**
